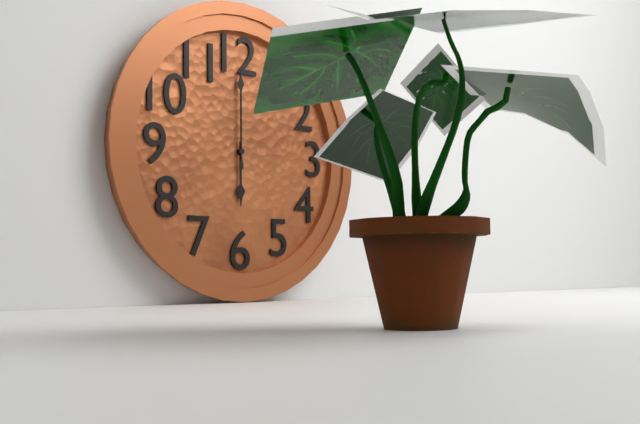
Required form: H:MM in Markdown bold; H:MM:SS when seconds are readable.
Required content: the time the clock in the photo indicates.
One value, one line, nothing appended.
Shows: **6:00**
